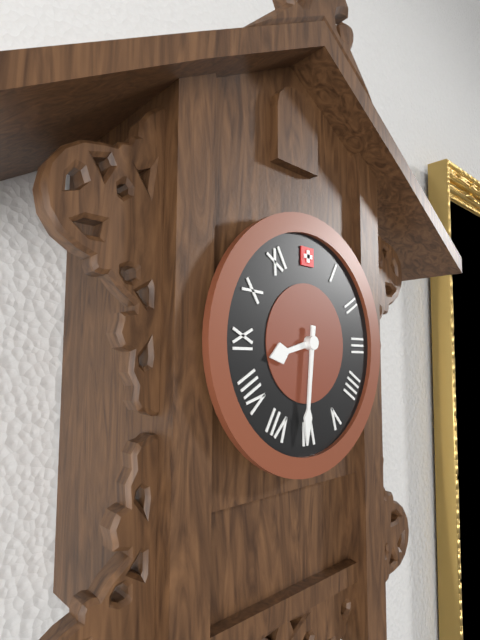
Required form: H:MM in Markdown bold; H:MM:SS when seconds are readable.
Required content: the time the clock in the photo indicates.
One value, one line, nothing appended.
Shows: **8:31**
